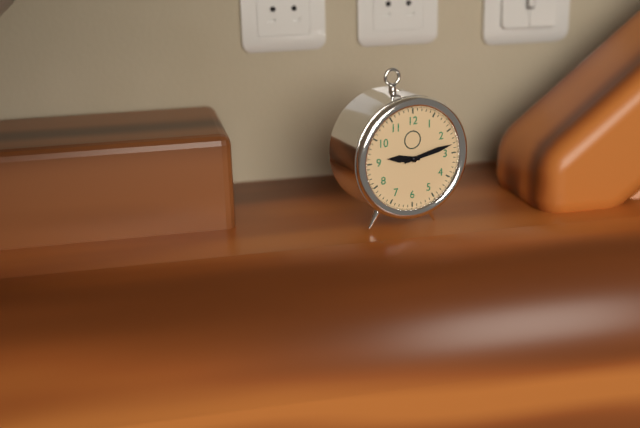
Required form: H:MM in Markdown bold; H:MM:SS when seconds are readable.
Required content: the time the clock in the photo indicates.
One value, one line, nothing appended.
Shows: **9:13**
